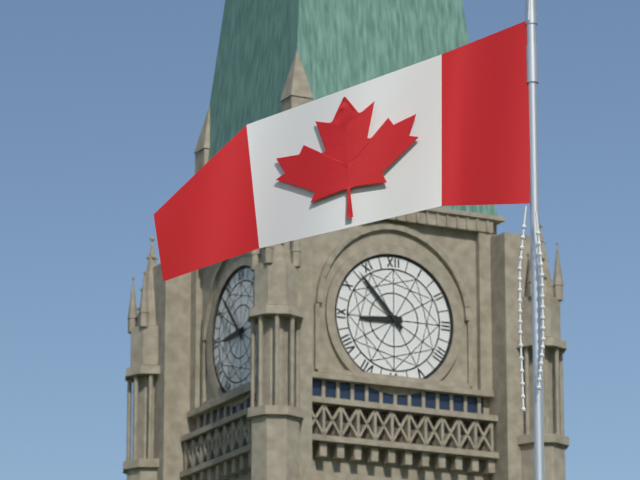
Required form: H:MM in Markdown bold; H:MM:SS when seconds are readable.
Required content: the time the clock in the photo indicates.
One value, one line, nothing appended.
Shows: **8:53**
